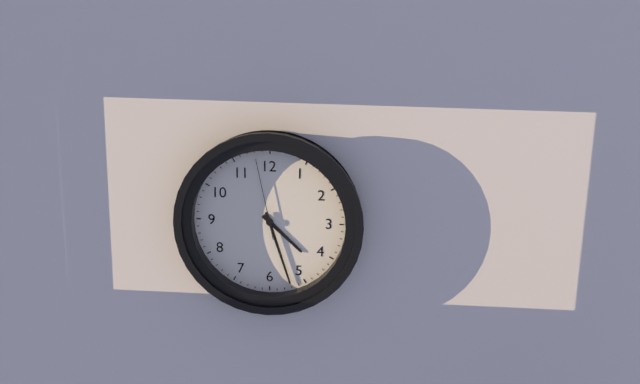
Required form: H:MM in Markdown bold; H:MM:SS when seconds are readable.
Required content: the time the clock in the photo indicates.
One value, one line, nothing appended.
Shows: **4:27:58**
